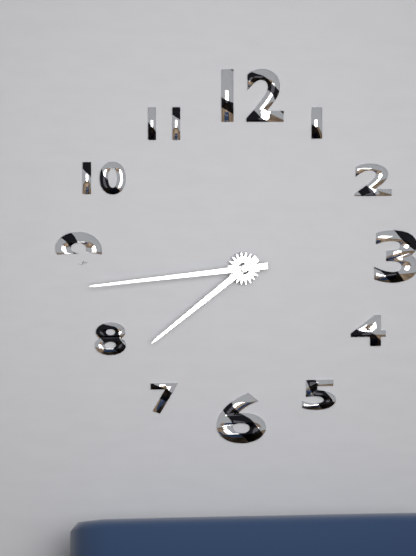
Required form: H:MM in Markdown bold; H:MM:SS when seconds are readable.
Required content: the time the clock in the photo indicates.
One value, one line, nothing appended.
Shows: **7:44**
